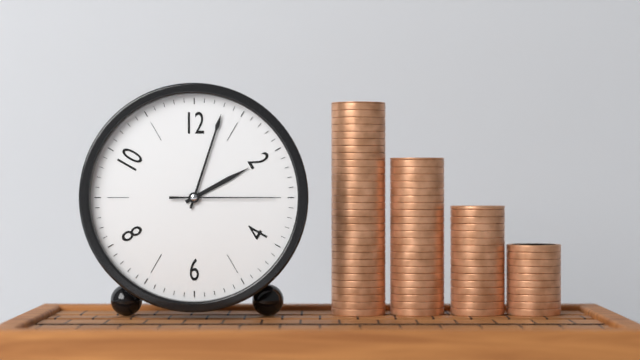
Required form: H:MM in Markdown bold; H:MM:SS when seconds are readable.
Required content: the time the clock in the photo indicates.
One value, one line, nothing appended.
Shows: **2:03:15**
